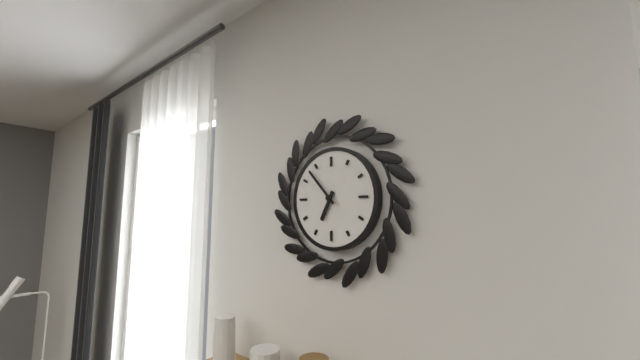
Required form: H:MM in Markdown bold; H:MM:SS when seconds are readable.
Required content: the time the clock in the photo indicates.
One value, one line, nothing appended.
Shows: **6:53**
